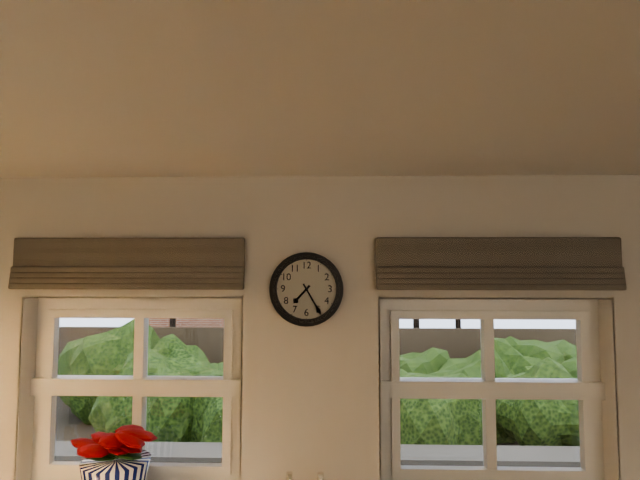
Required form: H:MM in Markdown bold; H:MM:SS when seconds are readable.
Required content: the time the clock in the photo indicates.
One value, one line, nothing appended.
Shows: **7:25**
